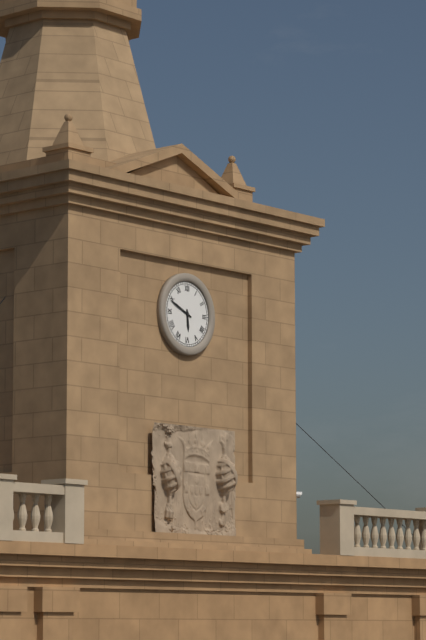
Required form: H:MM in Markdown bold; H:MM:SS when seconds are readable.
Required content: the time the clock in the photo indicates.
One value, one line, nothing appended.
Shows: **5:49**
